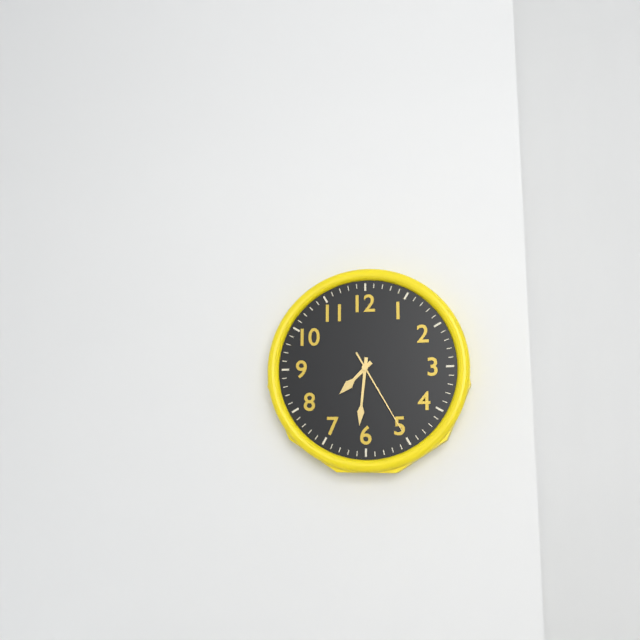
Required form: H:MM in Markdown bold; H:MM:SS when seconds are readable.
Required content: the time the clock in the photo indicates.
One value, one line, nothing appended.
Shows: **7:31:25**
